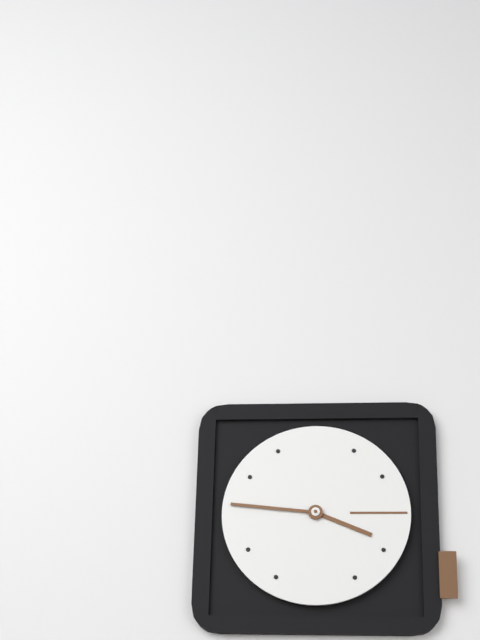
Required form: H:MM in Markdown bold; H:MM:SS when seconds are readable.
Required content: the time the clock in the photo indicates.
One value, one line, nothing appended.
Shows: **3:46**
